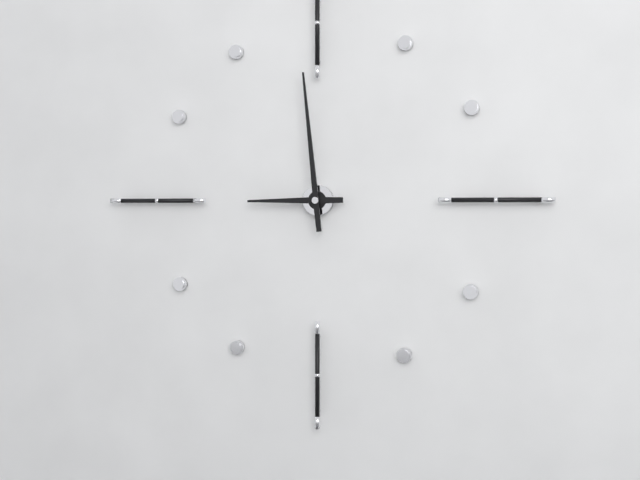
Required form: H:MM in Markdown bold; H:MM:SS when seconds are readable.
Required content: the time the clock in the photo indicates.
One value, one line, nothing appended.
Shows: **8:59**
